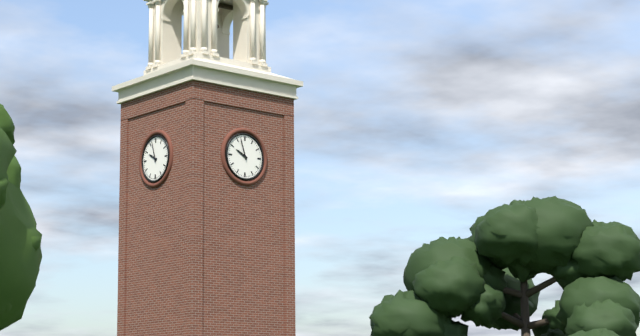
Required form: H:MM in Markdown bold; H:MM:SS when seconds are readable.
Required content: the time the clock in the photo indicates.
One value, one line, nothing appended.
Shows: **9:57**
